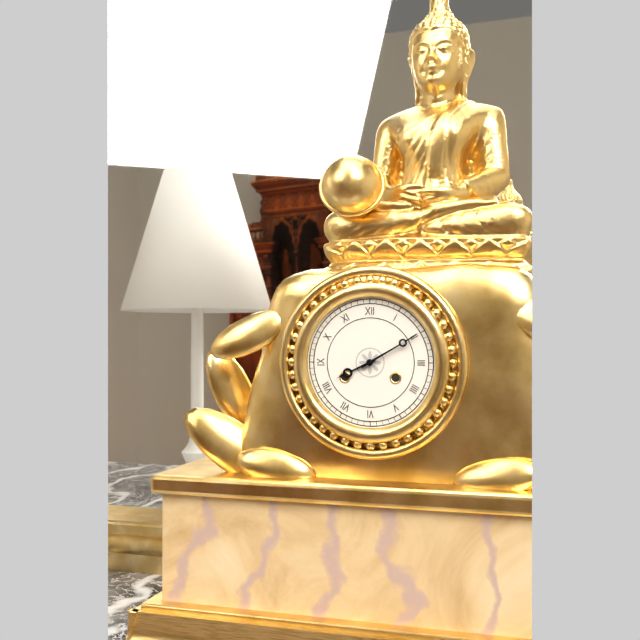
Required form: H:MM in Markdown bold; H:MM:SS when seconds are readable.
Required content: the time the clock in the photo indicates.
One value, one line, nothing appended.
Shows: **8:10**
